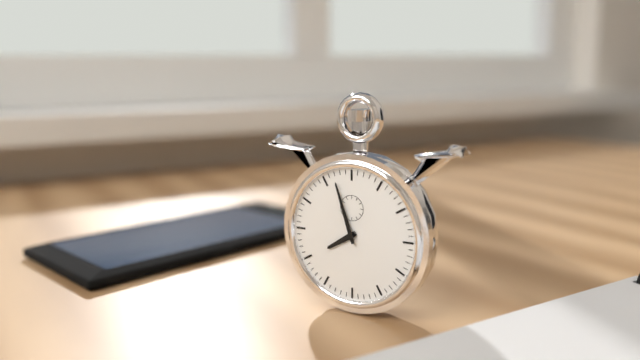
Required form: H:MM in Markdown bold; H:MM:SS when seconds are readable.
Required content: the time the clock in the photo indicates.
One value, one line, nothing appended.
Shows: **7:57**
